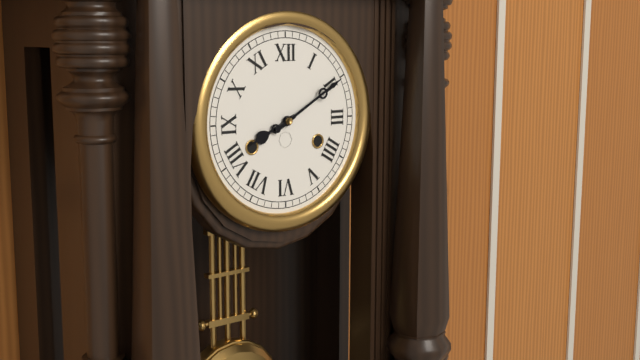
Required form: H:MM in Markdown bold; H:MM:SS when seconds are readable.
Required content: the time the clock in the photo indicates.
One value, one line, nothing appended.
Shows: **8:10**
